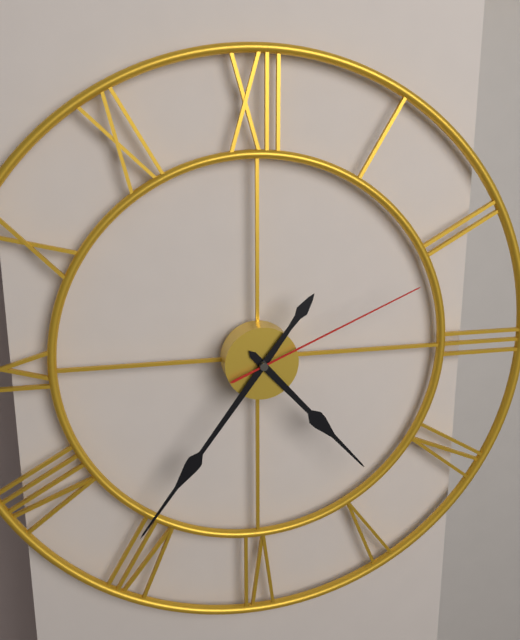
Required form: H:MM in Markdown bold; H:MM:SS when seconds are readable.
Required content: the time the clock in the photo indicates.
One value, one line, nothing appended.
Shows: **4:36:11**
